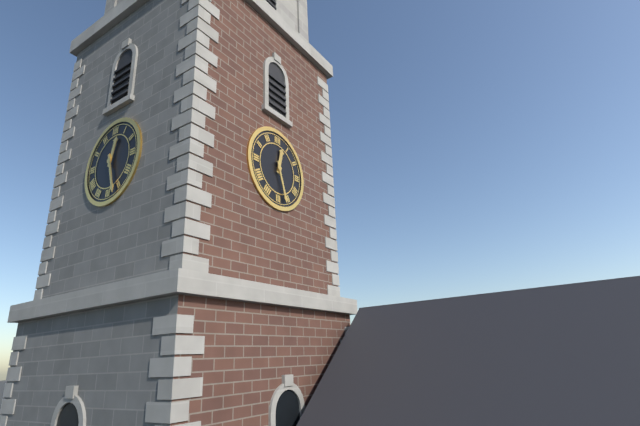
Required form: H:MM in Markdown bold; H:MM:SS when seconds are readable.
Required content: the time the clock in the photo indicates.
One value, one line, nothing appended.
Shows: **12:27**
